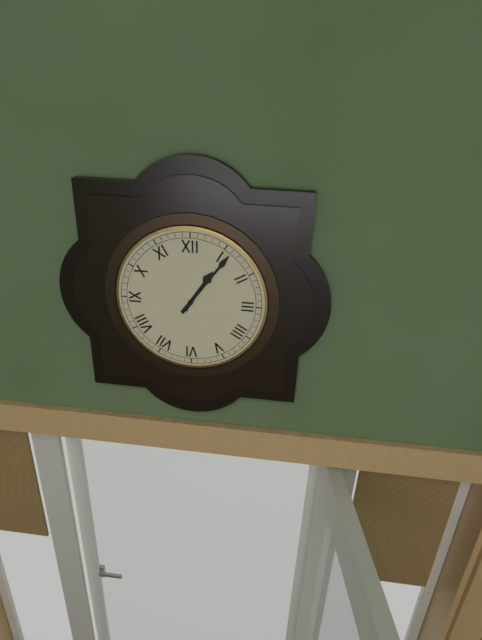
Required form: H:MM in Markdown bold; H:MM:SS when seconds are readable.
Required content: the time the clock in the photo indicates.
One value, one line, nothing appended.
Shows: **1:06**
